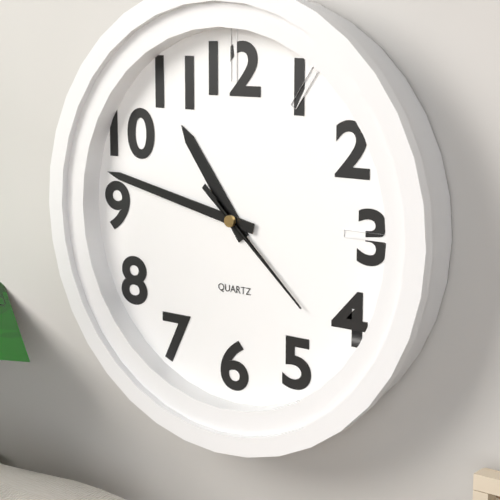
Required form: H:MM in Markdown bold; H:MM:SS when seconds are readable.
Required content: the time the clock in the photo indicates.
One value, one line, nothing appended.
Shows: **10:47:22**
